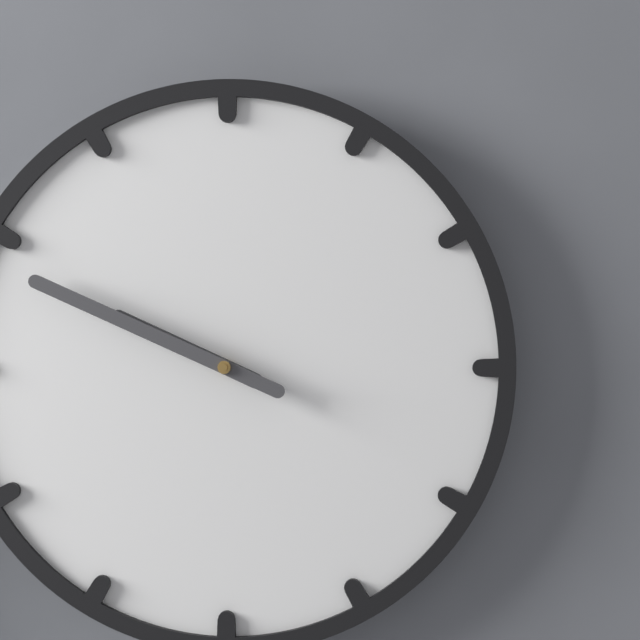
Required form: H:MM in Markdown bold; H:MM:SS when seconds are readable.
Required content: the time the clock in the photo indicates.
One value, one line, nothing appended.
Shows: **9:49**
